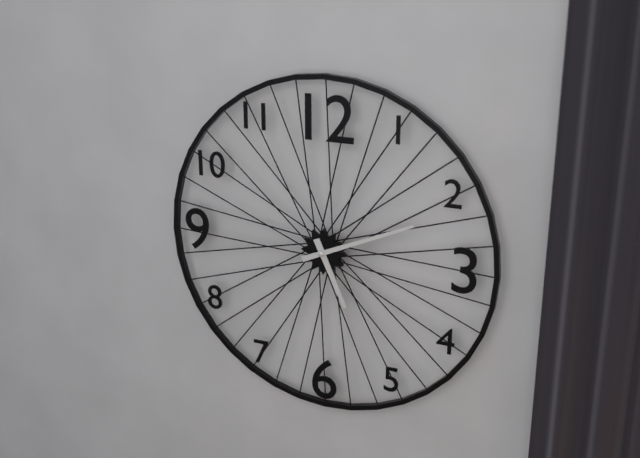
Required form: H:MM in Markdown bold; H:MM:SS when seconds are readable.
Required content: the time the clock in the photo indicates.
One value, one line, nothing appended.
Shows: **5:11**
